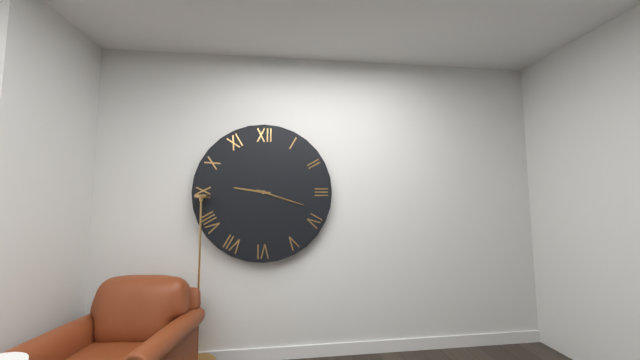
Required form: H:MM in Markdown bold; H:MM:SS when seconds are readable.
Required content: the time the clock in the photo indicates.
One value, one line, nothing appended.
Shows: **9:18**
